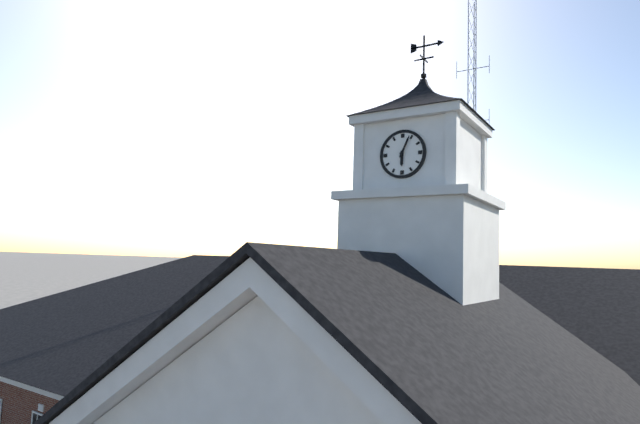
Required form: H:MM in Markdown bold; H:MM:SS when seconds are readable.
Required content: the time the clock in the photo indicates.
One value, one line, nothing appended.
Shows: **6:04**
